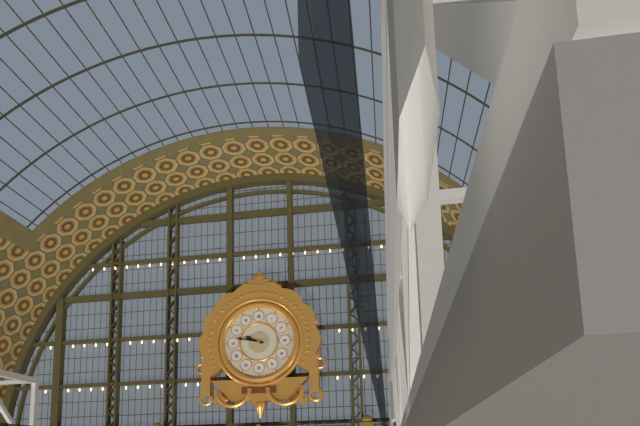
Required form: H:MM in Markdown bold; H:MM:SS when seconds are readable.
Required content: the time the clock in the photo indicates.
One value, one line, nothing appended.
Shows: **9:47**
